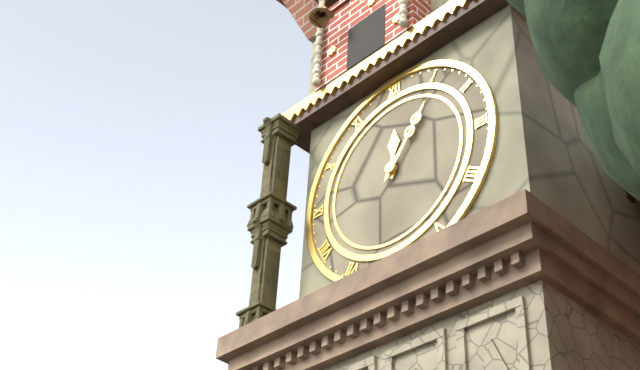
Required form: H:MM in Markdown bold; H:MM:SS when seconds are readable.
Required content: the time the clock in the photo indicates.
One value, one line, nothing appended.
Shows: **12:06**
